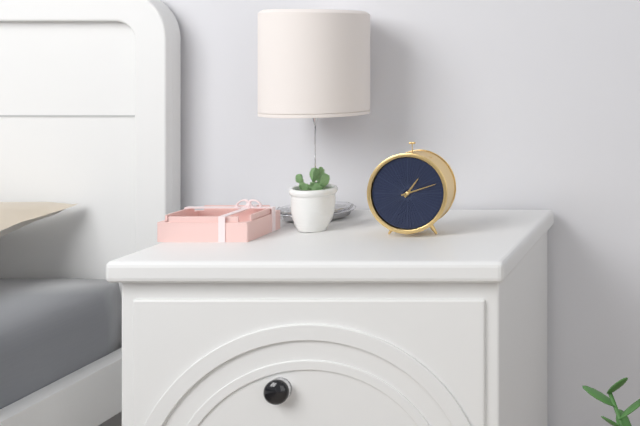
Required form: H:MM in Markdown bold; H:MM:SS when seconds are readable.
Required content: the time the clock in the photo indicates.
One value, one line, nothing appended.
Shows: **1:12**
